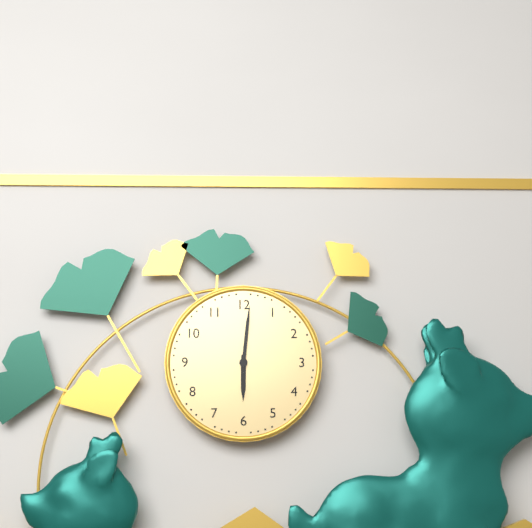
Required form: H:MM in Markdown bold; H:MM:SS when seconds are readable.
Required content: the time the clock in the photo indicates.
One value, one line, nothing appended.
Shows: **6:01**
